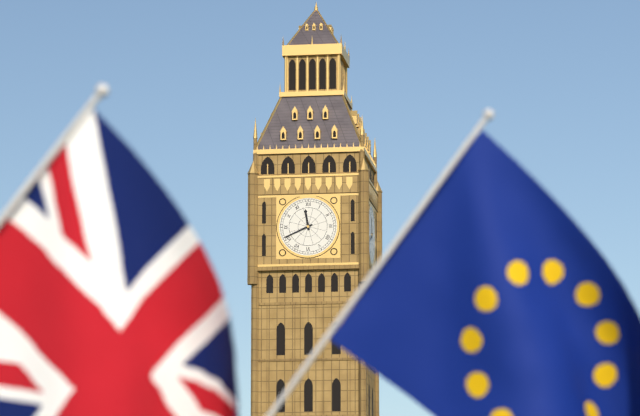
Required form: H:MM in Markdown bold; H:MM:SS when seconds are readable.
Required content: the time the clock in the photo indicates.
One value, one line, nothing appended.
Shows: **11:41**
